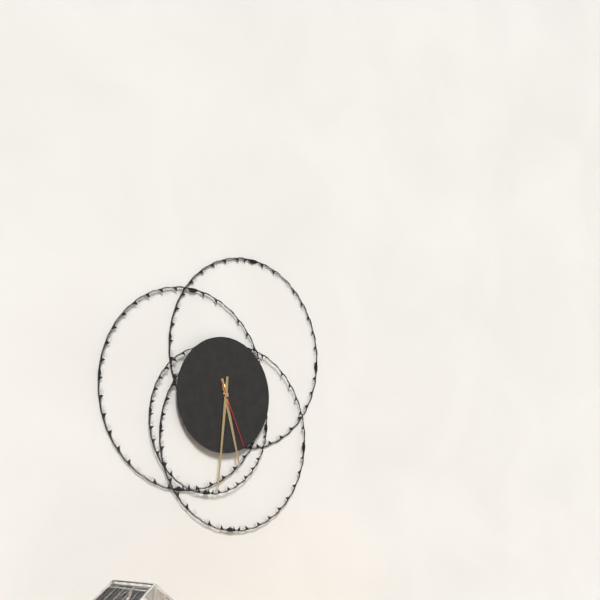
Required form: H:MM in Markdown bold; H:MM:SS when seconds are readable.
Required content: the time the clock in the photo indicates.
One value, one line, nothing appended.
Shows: **5:31:26**
